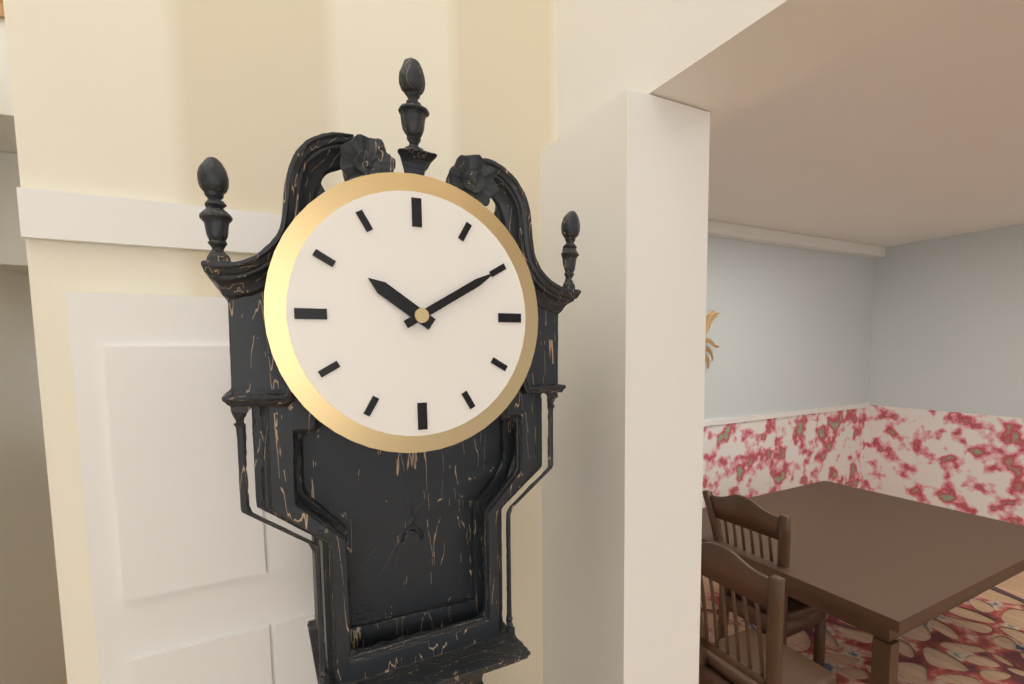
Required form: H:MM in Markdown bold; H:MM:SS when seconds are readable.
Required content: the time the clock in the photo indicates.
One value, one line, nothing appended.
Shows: **10:10**
